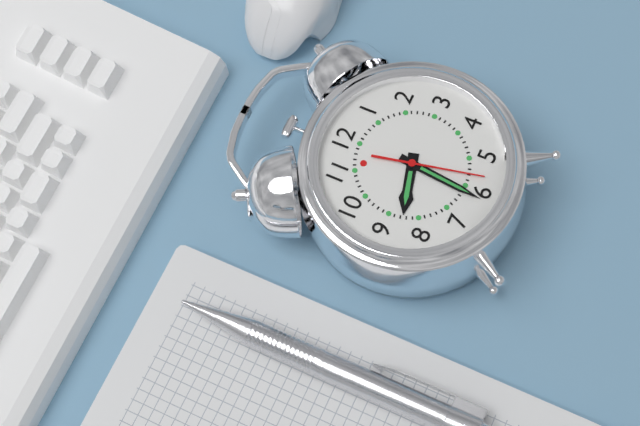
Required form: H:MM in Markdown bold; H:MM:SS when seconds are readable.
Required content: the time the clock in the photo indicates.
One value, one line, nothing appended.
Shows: **8:31:28**
